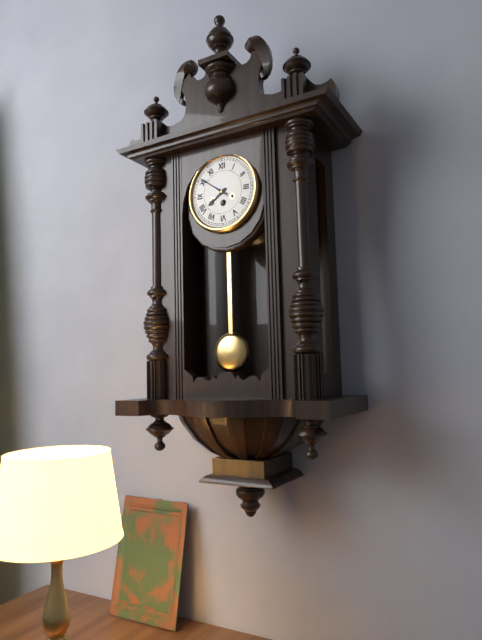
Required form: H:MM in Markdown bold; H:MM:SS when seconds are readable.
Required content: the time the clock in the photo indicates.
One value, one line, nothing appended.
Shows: **7:51**
